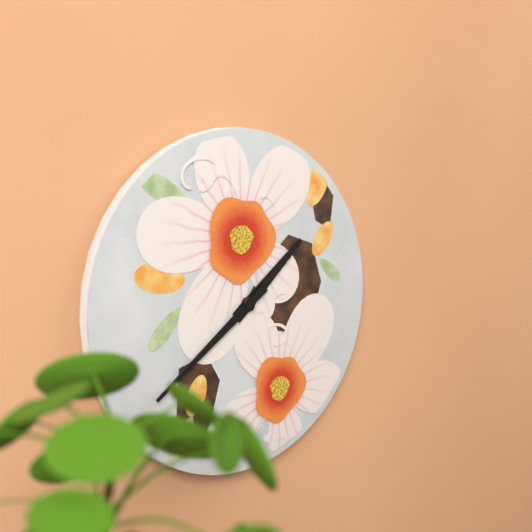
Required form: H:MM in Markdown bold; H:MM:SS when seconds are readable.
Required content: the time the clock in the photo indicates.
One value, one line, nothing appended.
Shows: **1:39**
